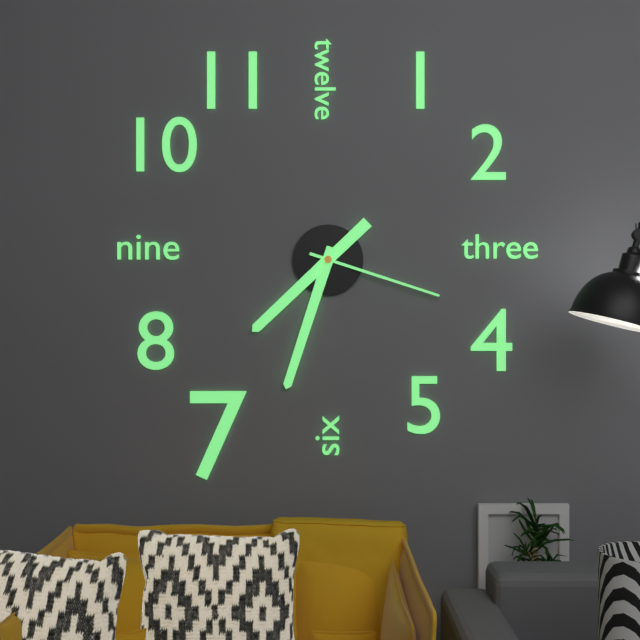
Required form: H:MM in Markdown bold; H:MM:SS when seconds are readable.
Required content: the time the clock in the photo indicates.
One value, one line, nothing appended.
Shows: **7:33:18**
